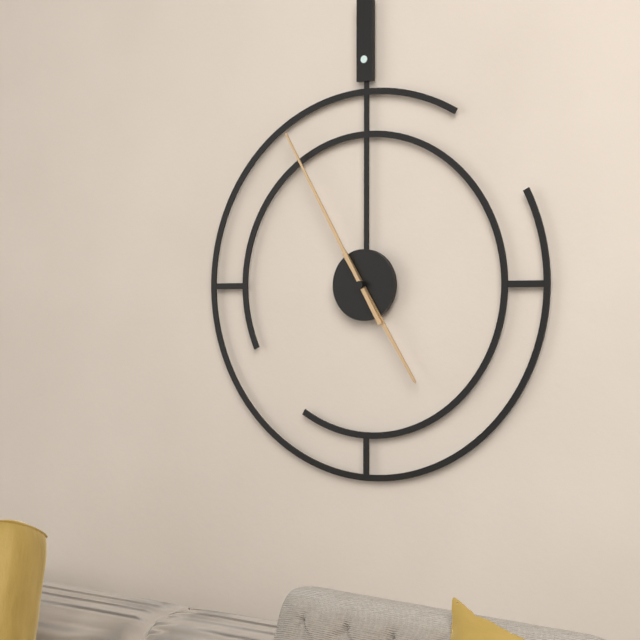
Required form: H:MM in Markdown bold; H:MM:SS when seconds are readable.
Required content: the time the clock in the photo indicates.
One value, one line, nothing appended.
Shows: **4:55**
